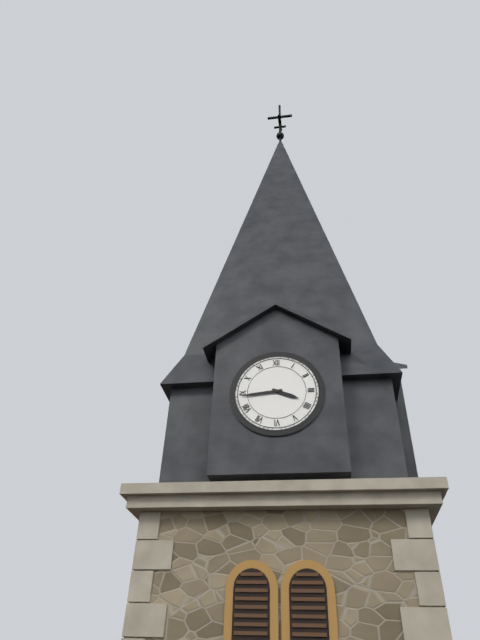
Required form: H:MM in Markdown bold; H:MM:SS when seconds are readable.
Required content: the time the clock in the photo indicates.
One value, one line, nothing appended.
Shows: **3:44**
